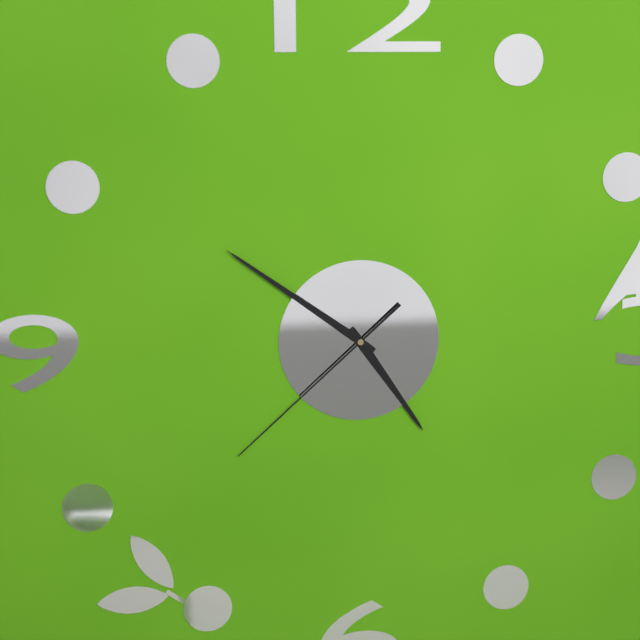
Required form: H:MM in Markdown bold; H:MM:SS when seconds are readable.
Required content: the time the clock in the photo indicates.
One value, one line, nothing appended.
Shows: **4:51:38**
